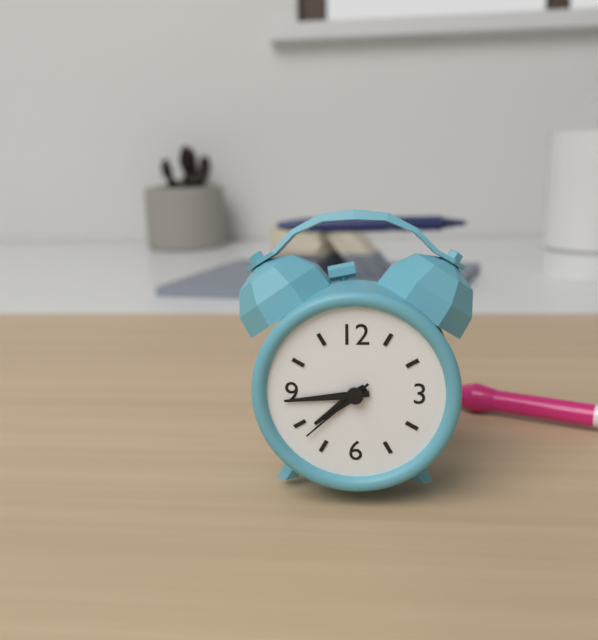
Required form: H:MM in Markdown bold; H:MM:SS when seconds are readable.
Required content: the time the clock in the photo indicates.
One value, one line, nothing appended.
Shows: **7:44:38**
